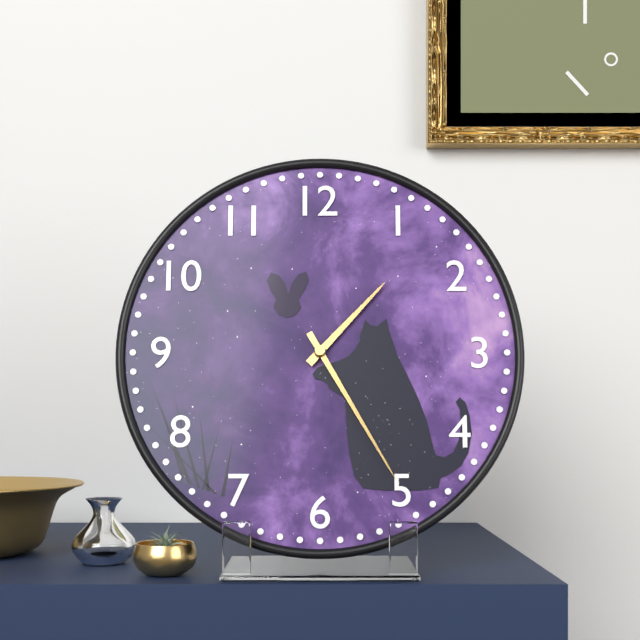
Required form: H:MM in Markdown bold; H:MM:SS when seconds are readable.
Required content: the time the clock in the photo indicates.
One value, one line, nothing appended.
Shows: **1:25**
